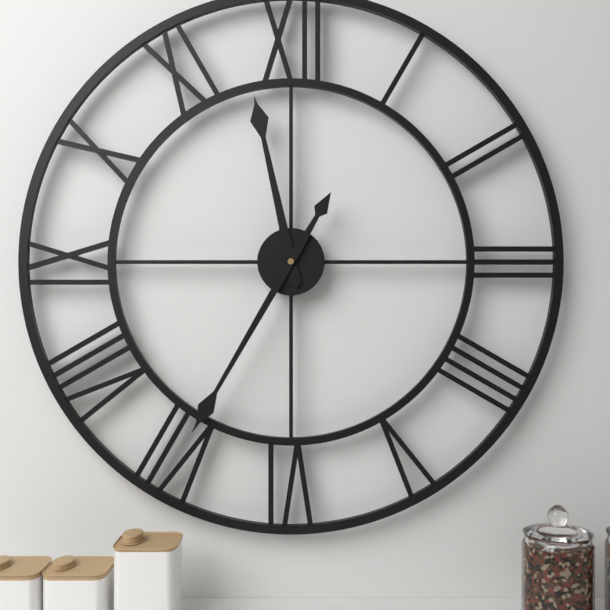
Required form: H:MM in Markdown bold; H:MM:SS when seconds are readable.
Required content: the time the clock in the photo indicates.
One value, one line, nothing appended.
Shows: **11:35**
